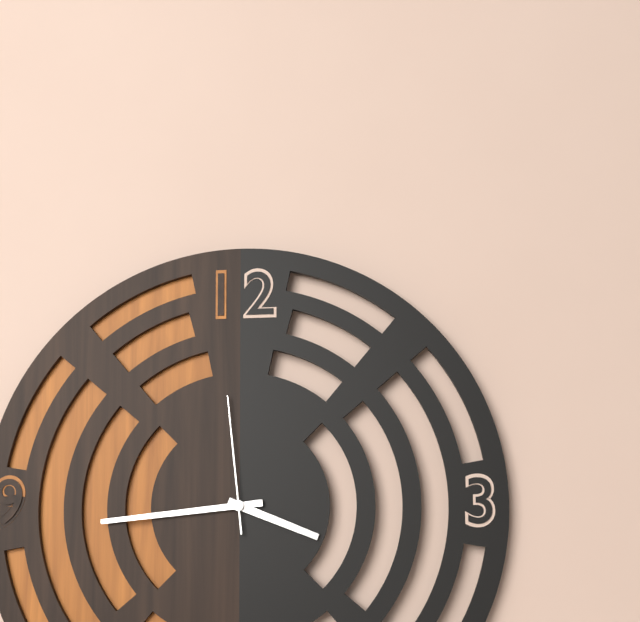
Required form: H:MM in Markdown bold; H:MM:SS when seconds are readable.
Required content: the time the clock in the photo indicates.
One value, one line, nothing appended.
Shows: **3:44:59**
